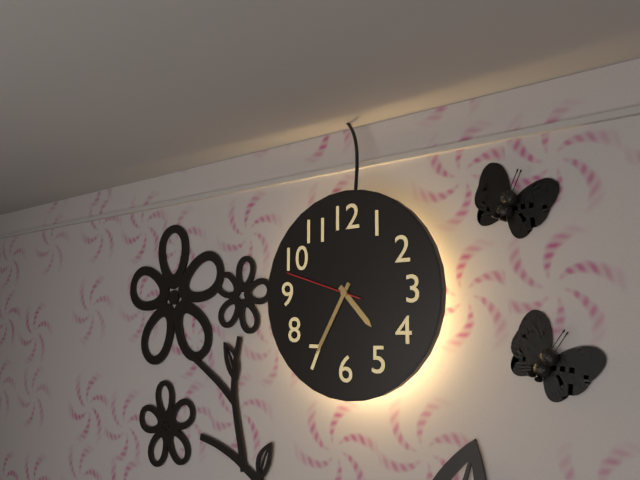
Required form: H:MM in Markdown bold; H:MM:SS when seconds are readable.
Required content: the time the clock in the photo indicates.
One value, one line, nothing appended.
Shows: **4:35:48**
